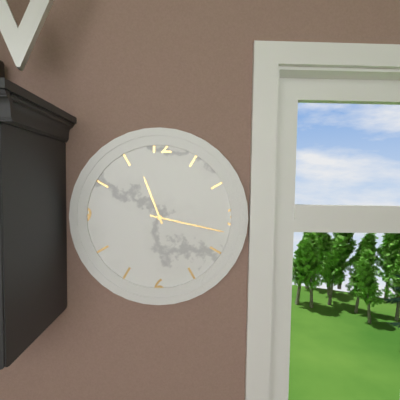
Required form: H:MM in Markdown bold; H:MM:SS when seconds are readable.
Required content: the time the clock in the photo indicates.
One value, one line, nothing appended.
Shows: **11:17**
